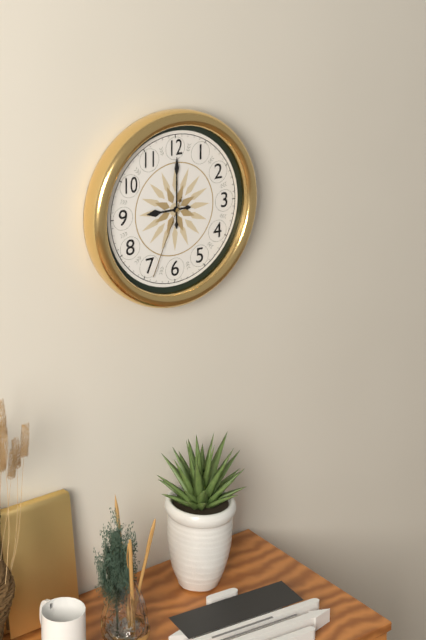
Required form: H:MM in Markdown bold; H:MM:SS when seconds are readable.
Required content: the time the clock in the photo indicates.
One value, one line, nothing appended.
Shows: **9:00:34**
